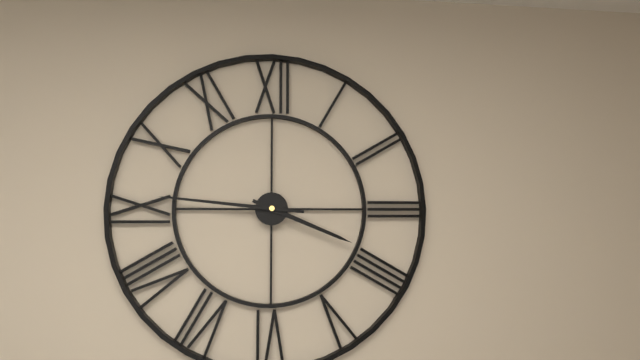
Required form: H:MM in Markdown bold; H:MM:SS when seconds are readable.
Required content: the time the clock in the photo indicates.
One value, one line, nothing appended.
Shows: **3:46**
